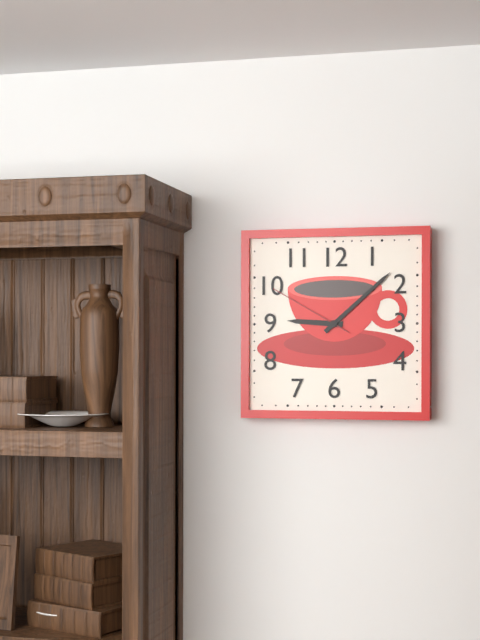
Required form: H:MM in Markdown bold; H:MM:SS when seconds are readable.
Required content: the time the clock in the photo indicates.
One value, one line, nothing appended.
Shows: **9:08:50**
